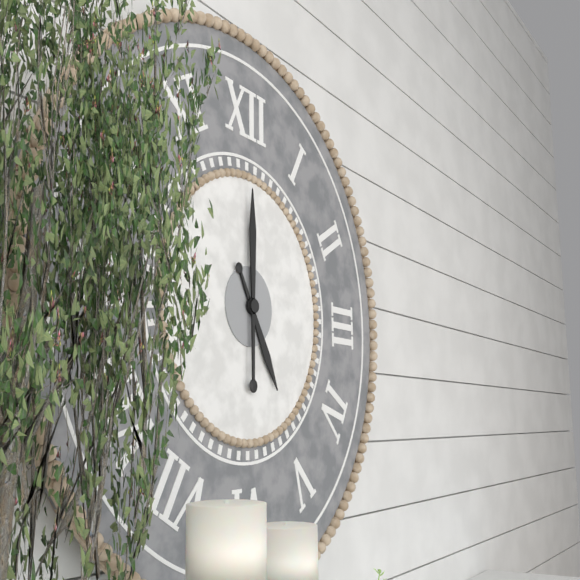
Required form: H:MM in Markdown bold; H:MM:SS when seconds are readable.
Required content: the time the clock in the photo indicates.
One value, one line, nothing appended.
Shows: **5:00**
